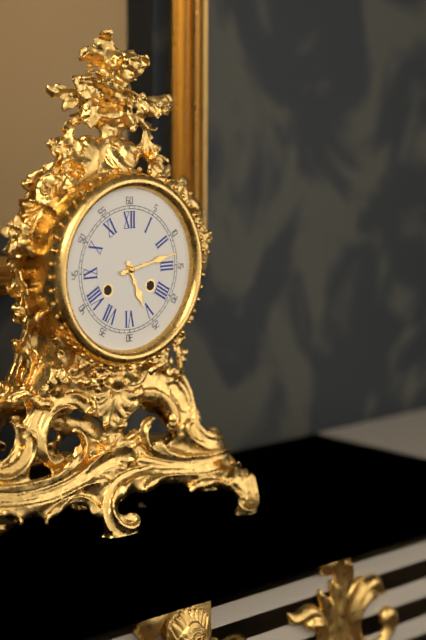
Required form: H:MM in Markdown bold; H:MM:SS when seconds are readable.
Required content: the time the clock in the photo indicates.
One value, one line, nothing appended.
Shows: **5:13**
